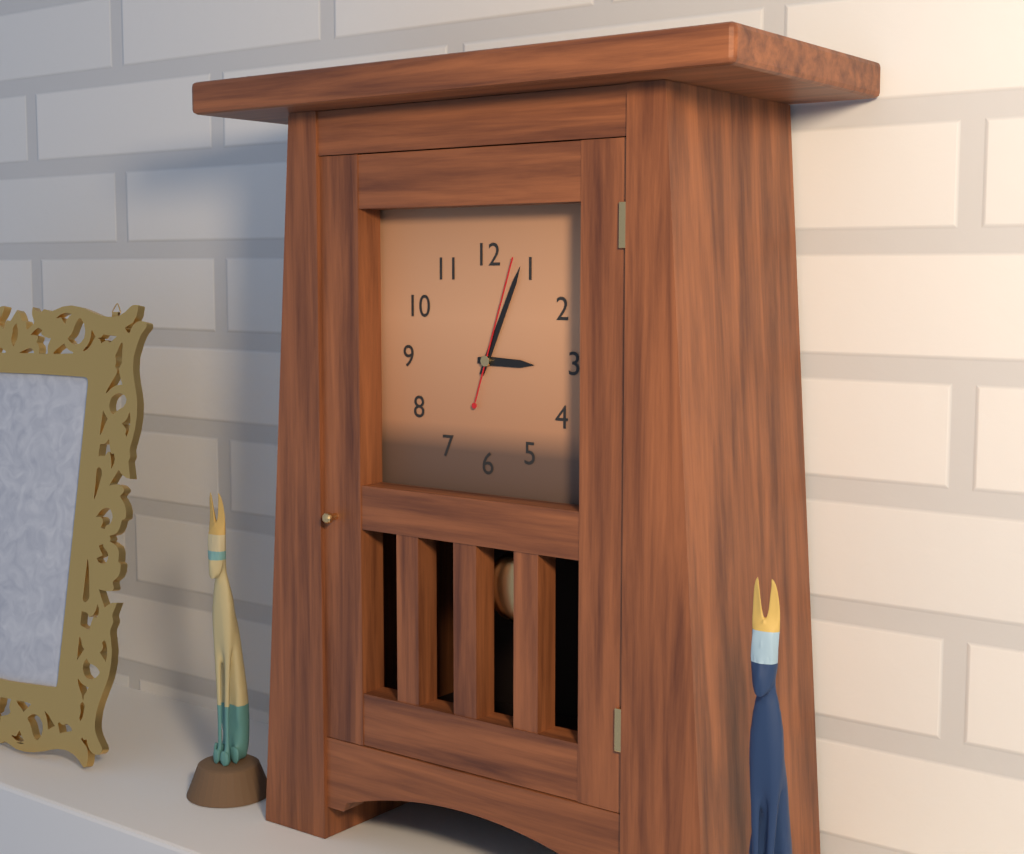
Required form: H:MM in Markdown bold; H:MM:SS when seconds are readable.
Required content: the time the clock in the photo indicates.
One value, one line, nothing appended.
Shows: **3:04:03**
